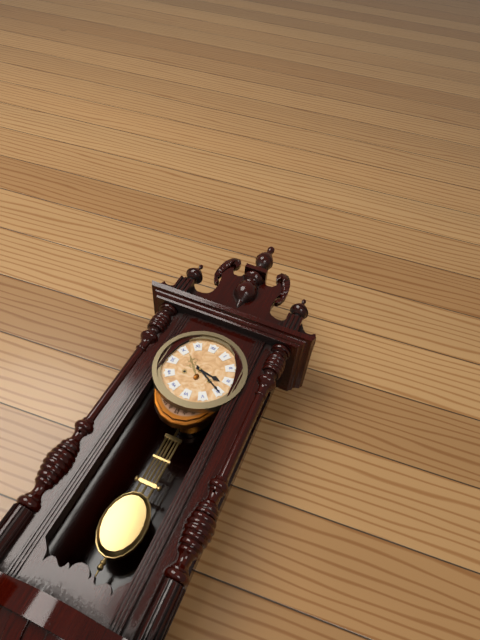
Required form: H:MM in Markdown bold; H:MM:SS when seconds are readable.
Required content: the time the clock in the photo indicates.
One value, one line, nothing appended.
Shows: **3:20**
